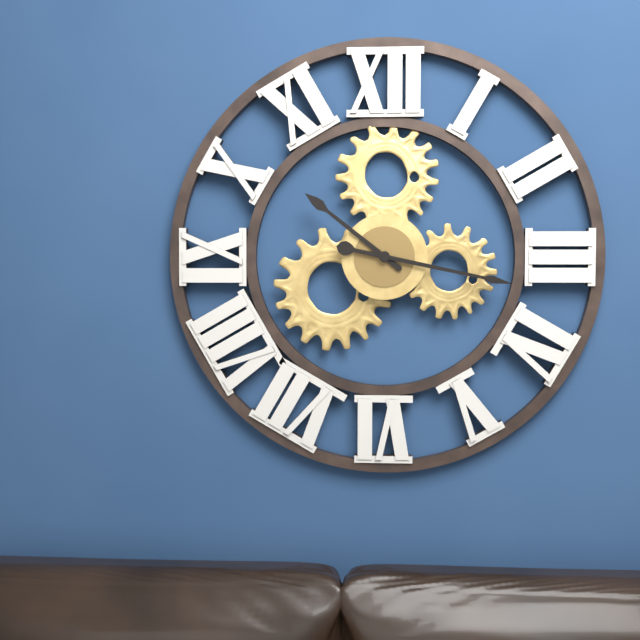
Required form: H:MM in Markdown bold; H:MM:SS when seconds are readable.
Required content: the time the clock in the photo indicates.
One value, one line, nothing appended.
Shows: **10:17**
